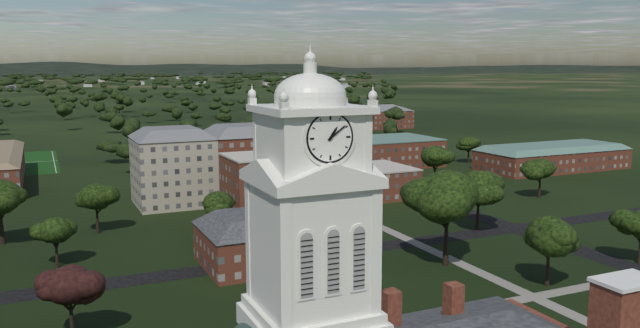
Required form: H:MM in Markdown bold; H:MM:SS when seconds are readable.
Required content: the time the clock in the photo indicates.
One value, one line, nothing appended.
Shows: **1:09**
